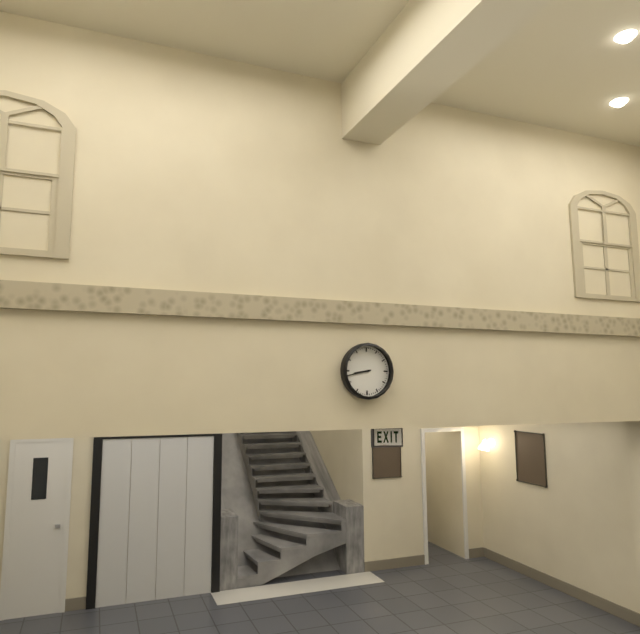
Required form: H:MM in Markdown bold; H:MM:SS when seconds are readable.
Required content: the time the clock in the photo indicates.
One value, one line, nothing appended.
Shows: **8:43**
